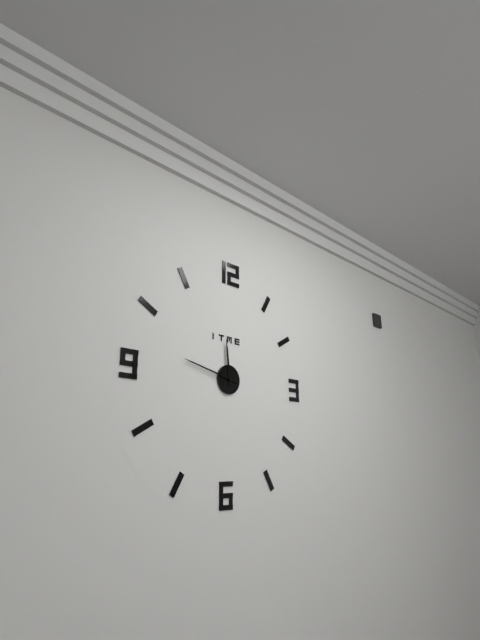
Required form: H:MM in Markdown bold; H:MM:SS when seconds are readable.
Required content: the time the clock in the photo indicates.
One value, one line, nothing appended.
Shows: **11:47**
